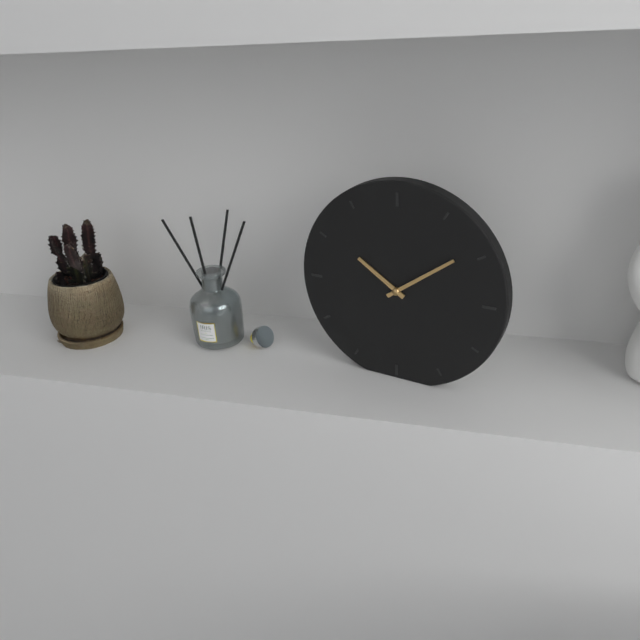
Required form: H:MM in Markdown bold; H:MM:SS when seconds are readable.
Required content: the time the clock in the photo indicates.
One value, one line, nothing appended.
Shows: **10:09**
